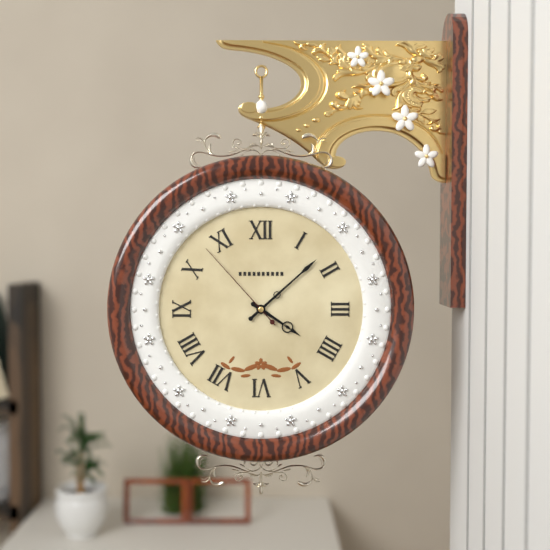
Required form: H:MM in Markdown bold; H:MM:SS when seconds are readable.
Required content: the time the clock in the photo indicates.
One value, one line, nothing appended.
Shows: **4:08:53**
